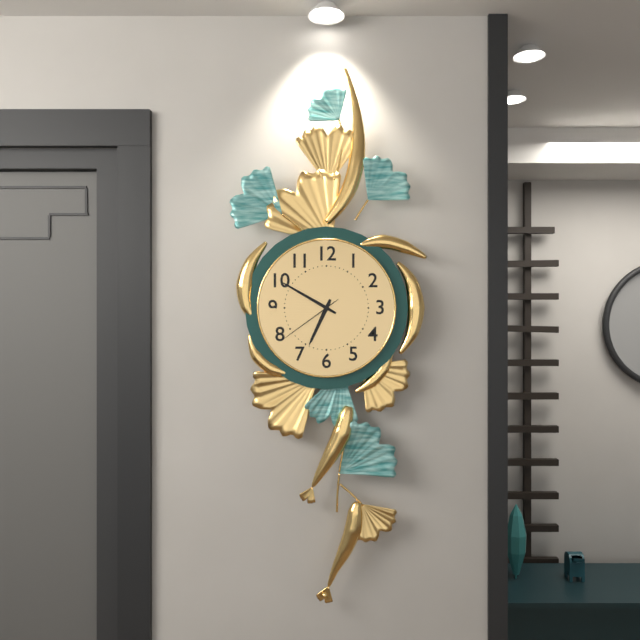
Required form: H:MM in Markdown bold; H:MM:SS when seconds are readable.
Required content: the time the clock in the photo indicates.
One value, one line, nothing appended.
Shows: **6:50:39**
